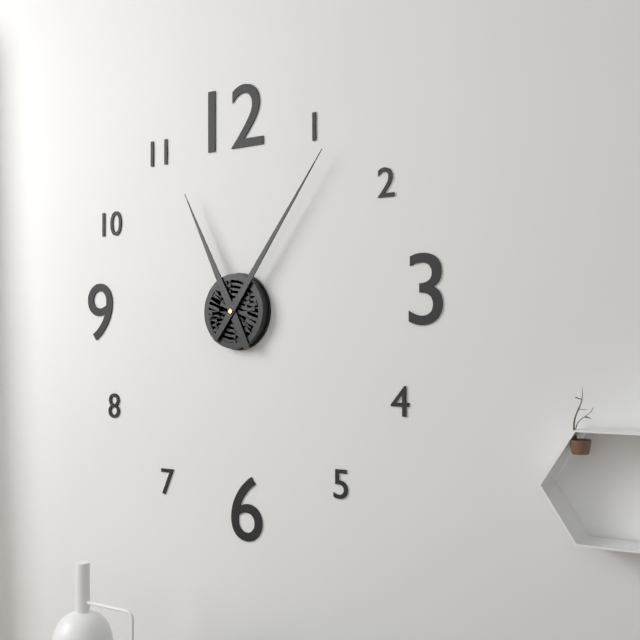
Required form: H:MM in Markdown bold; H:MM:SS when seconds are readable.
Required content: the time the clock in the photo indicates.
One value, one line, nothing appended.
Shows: **11:06**
